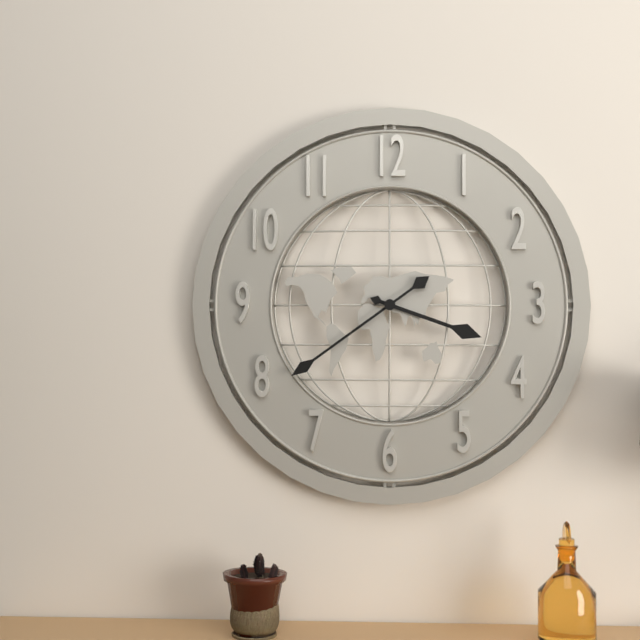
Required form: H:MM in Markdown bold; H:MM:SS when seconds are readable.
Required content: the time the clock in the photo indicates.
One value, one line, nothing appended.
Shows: **3:39**
